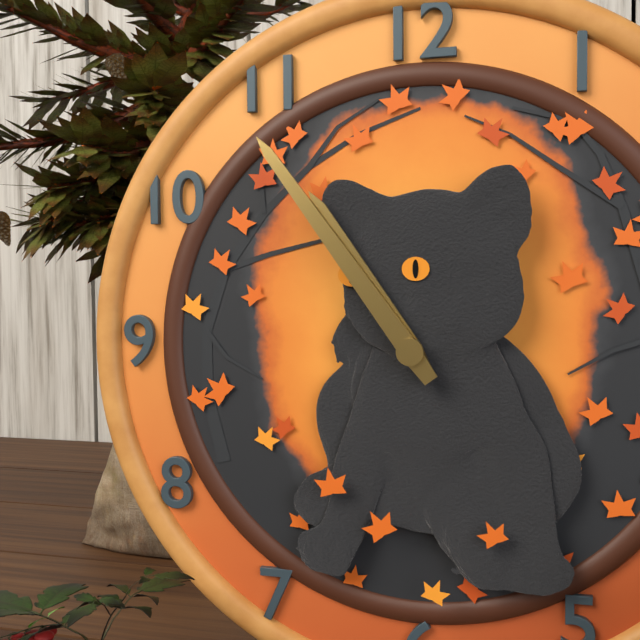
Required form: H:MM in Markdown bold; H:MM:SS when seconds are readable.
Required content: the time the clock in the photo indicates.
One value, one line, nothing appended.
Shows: **10:54**
